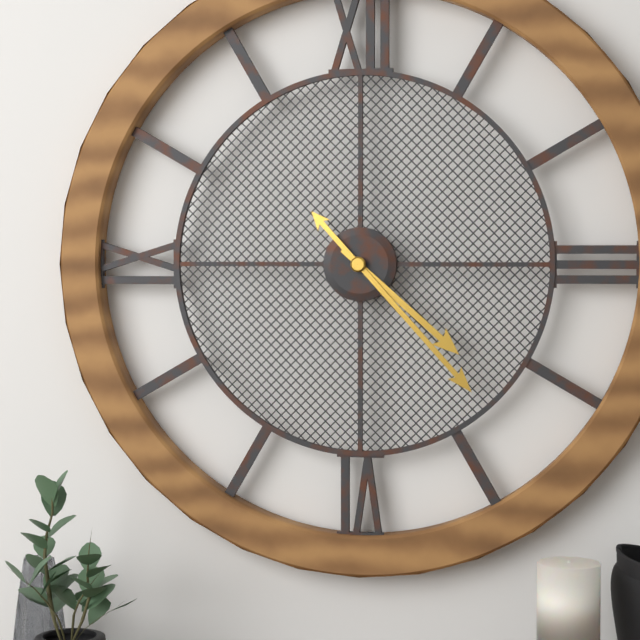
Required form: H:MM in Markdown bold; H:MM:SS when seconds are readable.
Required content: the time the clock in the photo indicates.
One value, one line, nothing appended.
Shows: **4:23**
